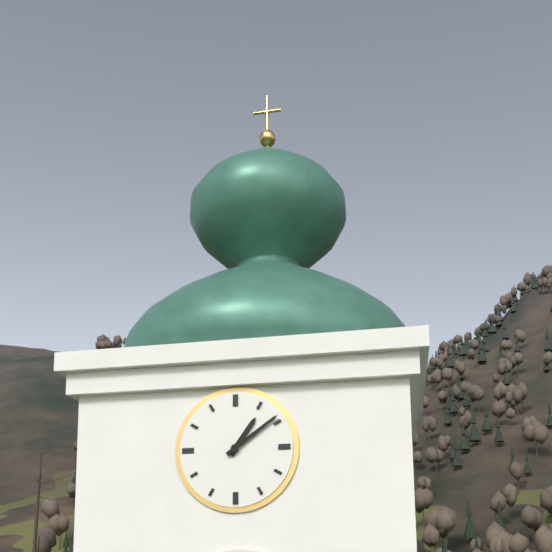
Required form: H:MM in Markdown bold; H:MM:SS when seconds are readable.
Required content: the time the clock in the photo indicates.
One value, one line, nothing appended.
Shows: **1:09**
